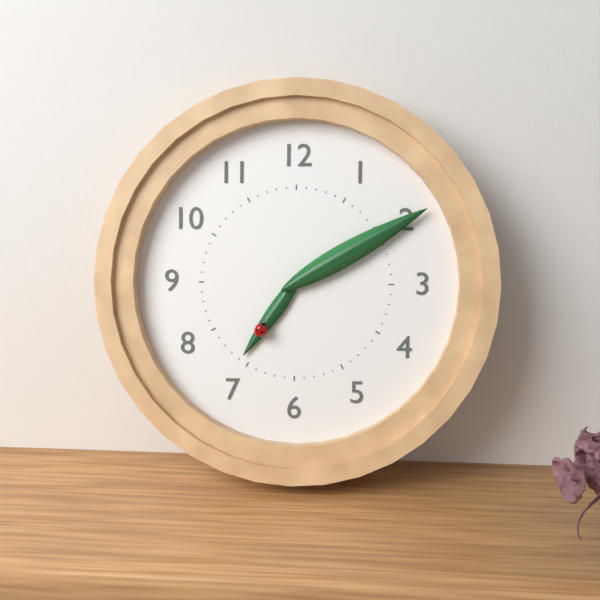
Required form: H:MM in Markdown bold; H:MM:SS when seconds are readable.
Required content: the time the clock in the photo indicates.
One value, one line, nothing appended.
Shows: **7:10**
